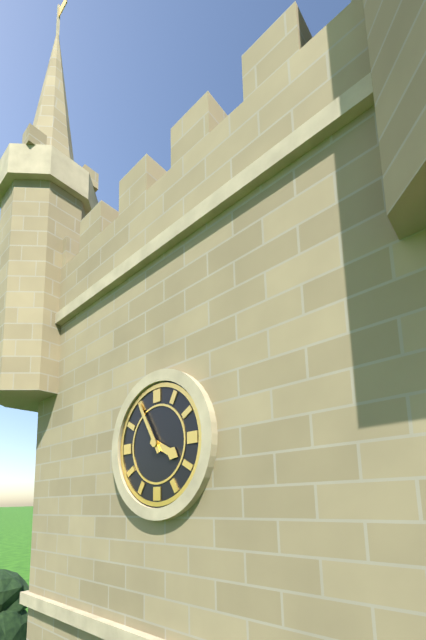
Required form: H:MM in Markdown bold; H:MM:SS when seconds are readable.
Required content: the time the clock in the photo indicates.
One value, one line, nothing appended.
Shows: **3:55**
